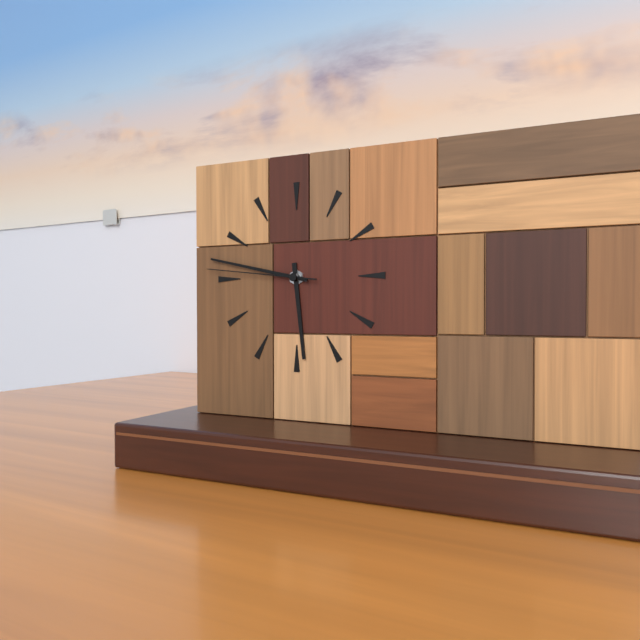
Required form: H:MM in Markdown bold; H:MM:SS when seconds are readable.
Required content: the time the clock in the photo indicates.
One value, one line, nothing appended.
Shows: **5:47:46**
